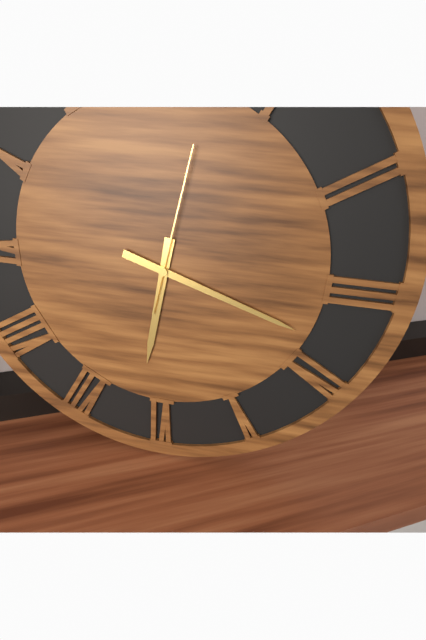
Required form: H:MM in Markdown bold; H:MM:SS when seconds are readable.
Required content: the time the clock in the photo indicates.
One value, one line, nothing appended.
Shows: **6:18:02**
